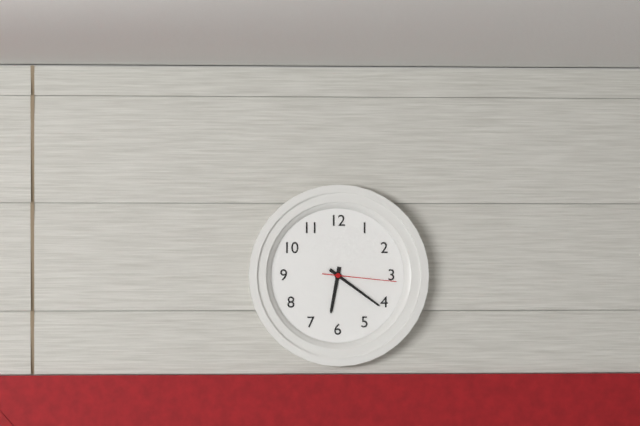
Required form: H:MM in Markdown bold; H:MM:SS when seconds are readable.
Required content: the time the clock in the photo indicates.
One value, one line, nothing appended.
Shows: **6:21:16**
